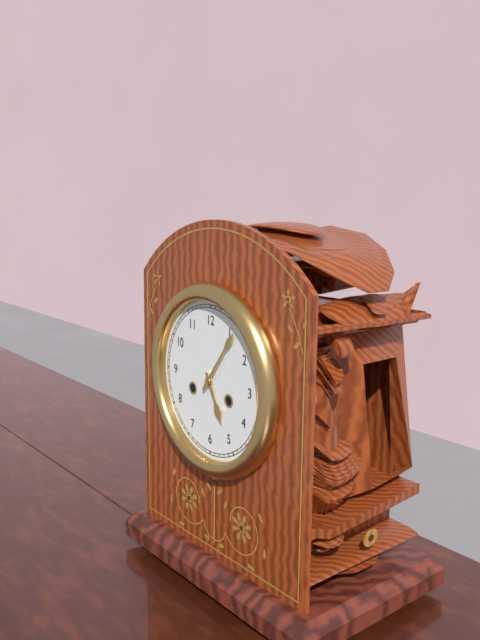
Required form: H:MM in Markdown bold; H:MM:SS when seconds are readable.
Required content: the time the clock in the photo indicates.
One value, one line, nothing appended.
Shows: **5:06**
